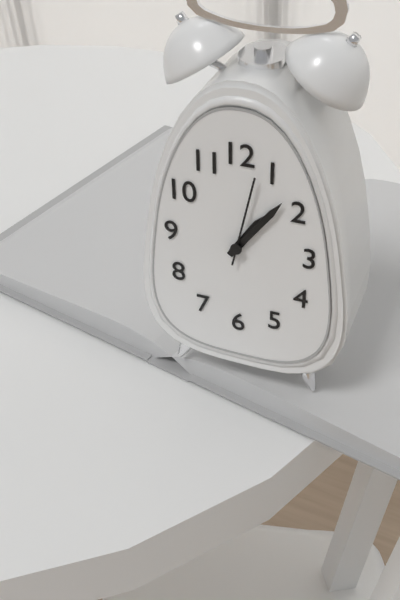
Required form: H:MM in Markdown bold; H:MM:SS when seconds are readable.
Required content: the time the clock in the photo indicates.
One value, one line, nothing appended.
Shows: **1:06:02**
